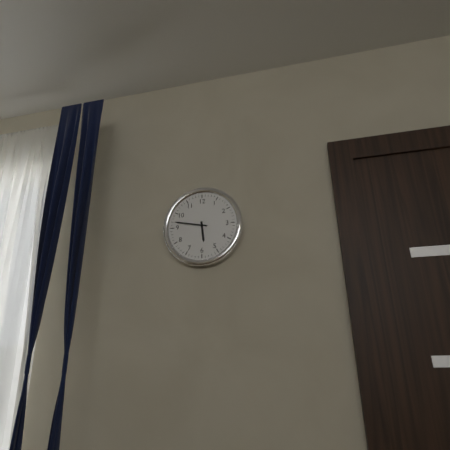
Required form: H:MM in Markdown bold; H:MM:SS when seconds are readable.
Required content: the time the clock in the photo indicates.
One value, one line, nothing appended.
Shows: **5:47**
